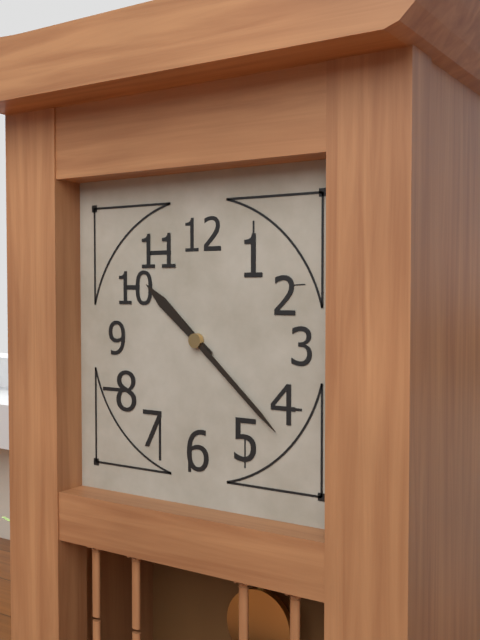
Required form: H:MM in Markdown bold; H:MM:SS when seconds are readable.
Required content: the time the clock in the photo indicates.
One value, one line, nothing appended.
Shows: **10:22**
